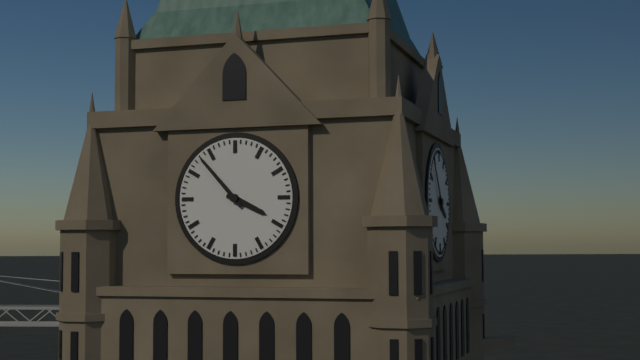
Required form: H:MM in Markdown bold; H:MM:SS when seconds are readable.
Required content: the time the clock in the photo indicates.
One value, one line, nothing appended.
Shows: **3:53**
